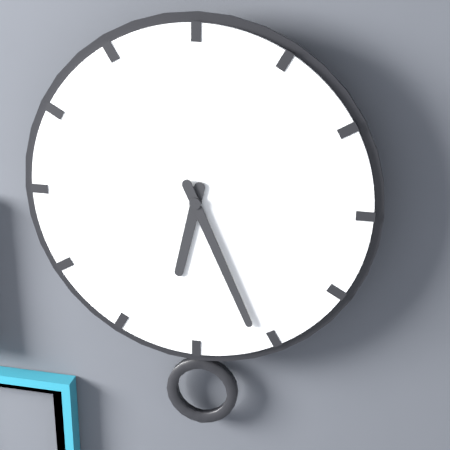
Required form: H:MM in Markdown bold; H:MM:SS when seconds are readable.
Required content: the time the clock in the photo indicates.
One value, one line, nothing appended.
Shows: **6:26**
